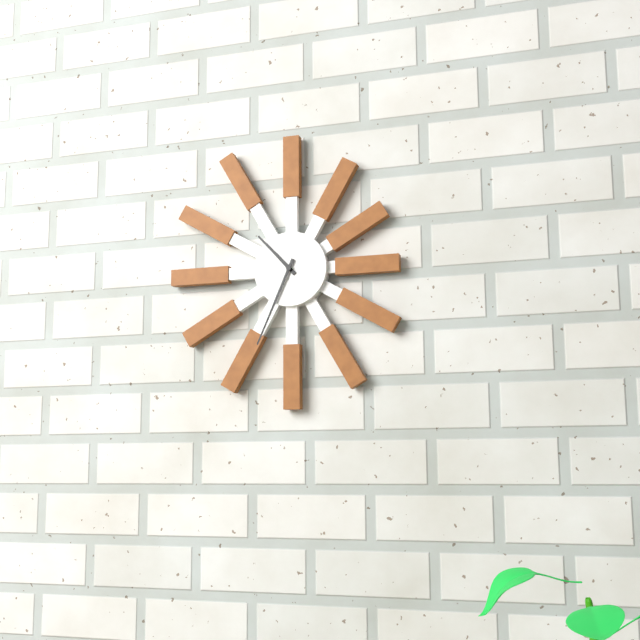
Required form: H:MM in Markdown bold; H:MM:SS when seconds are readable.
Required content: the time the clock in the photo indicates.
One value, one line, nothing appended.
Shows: **10:34**
